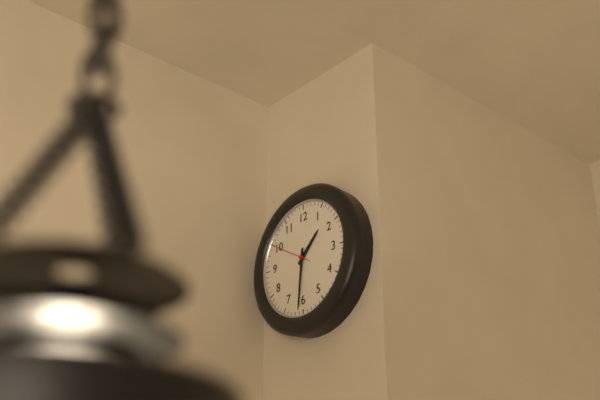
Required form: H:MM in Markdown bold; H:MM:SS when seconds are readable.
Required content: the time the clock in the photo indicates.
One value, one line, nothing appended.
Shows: **1:31**
